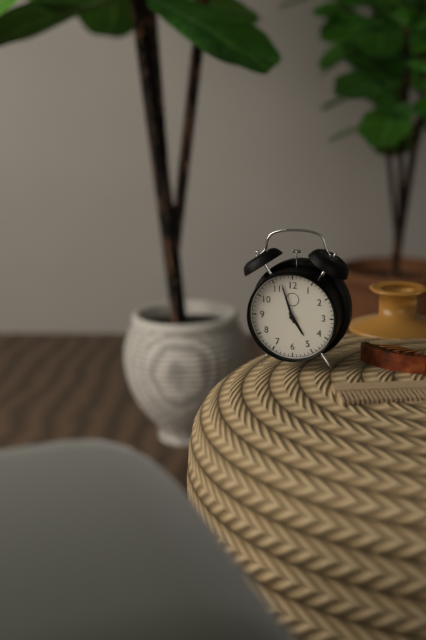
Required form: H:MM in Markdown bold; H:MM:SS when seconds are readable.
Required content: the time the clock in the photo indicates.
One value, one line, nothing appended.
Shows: **4:57**
